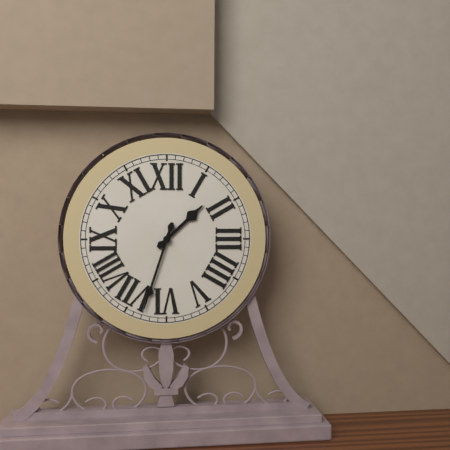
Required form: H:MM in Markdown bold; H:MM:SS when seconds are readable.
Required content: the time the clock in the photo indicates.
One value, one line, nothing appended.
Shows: **1:33**
